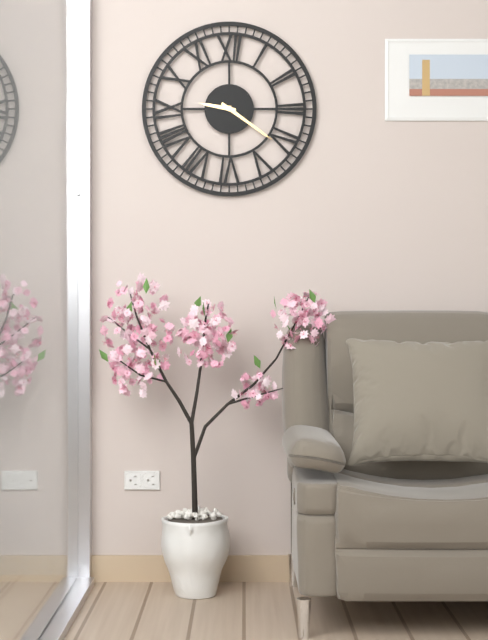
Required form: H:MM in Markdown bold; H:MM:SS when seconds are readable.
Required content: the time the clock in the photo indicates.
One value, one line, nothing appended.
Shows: **9:21**
